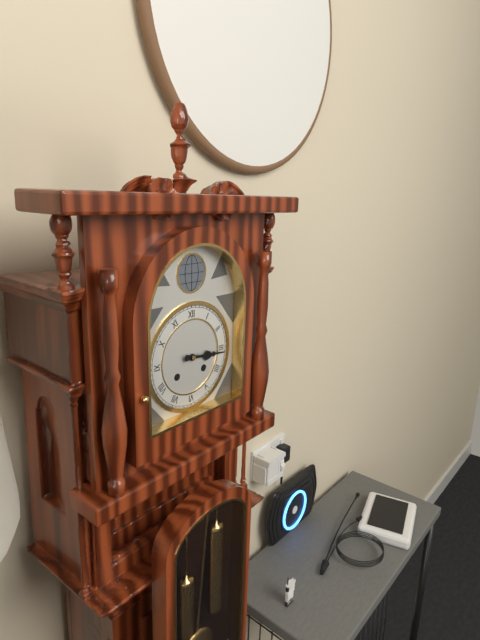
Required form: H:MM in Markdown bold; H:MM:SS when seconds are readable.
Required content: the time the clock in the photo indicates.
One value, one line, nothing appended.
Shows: **3:16**
